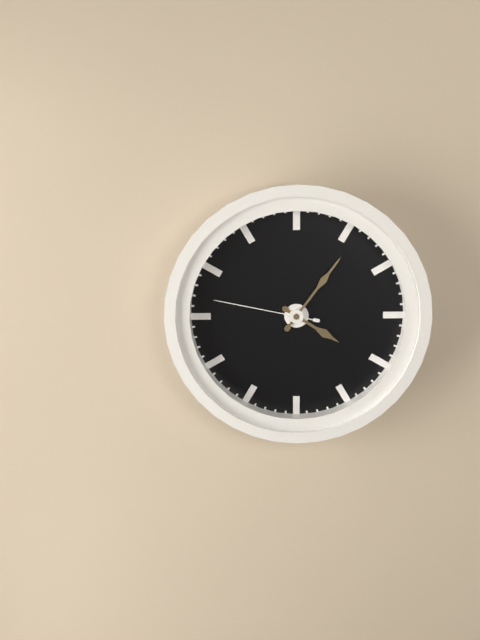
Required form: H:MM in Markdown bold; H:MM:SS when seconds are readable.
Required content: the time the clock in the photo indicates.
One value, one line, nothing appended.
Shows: **4:06:47**
